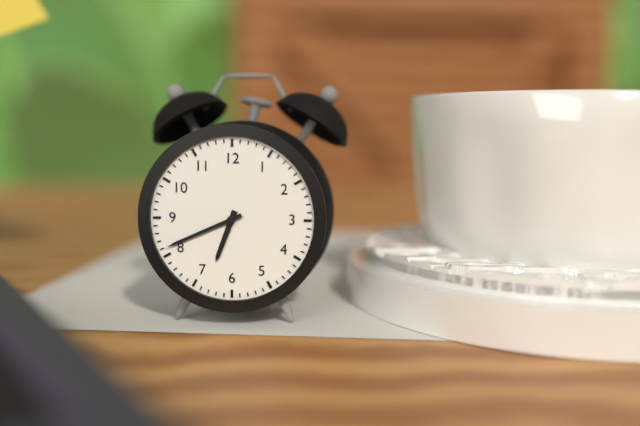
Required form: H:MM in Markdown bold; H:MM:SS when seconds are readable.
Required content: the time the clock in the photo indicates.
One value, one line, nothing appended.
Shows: **6:41**
